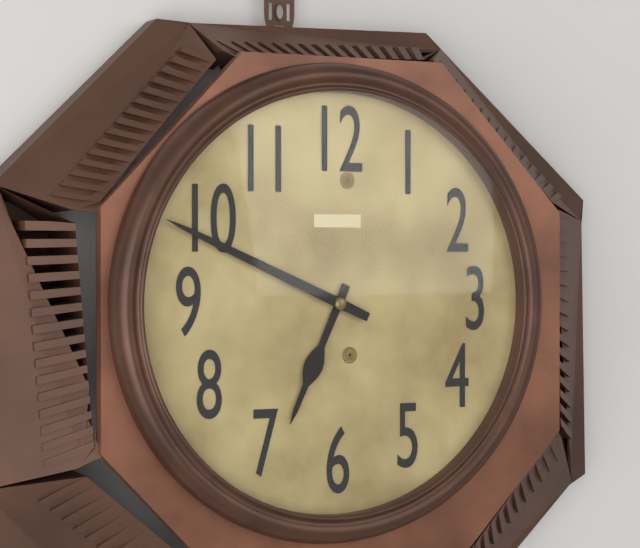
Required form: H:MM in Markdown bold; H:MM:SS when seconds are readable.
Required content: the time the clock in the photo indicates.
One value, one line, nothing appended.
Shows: **6:49**
